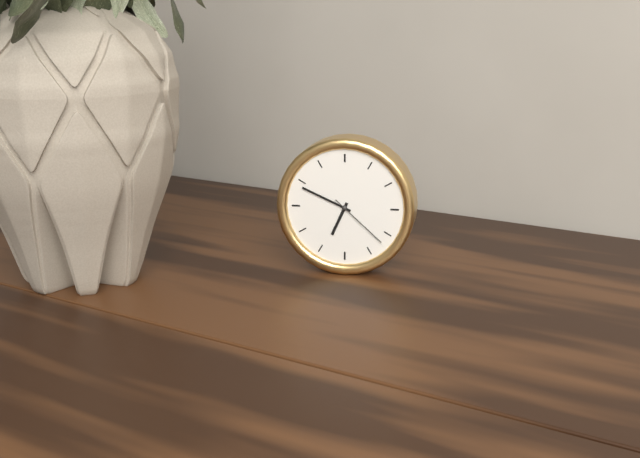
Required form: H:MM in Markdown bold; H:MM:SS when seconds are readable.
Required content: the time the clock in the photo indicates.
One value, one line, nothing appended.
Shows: **6:49:22**
